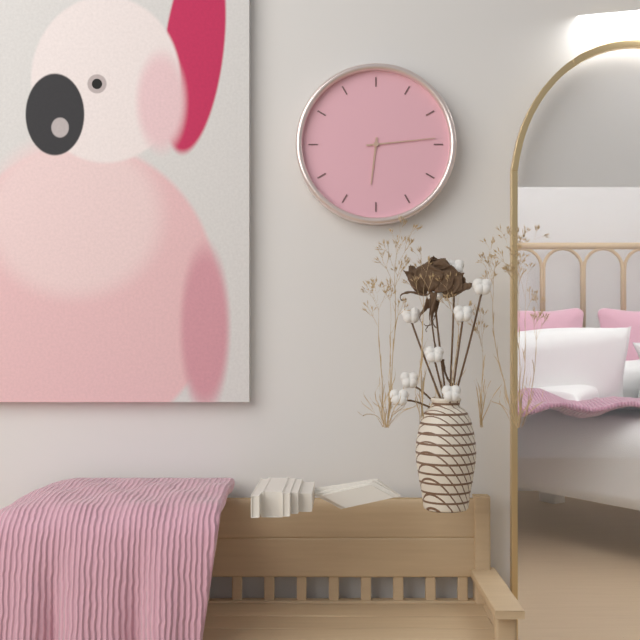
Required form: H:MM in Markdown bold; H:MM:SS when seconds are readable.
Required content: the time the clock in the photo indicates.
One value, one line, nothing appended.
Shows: **6:14**
